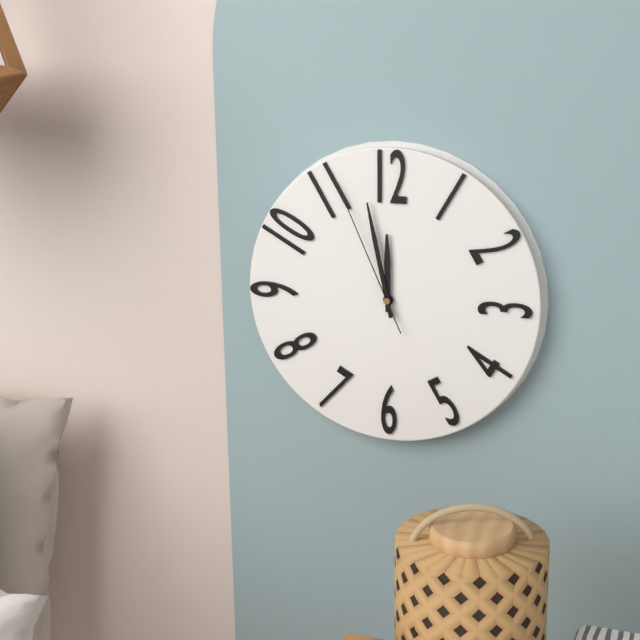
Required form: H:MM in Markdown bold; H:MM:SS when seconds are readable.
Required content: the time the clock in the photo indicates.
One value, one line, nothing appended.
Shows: **11:58:56**
